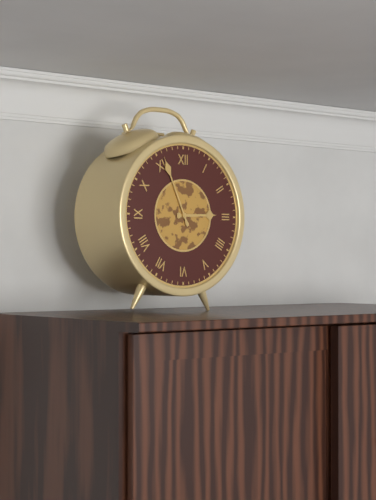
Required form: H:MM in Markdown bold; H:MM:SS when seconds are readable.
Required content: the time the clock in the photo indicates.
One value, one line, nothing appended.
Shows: **2:56**
